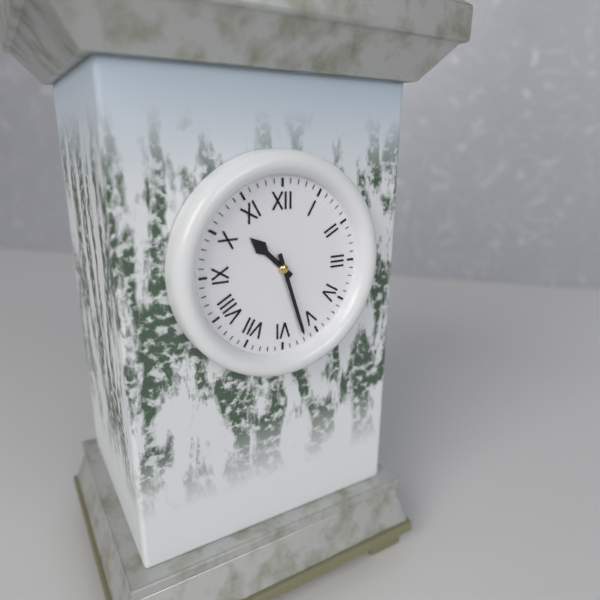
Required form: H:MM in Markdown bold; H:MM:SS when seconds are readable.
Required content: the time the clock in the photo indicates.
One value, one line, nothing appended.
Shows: **10:27**
